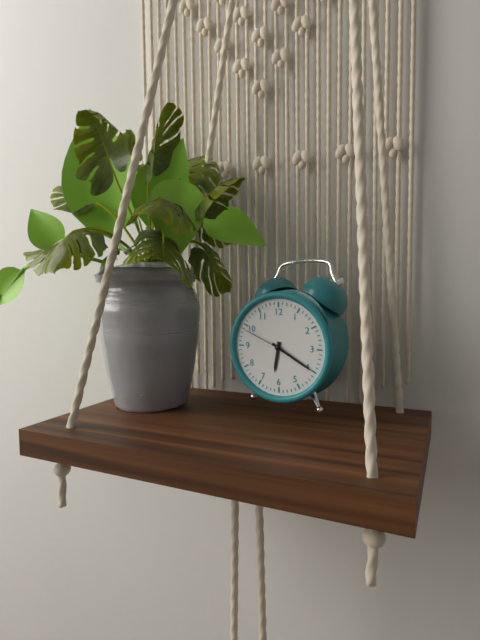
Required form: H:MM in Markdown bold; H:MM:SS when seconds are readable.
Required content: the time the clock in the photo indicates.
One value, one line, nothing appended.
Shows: **6:20:49**
